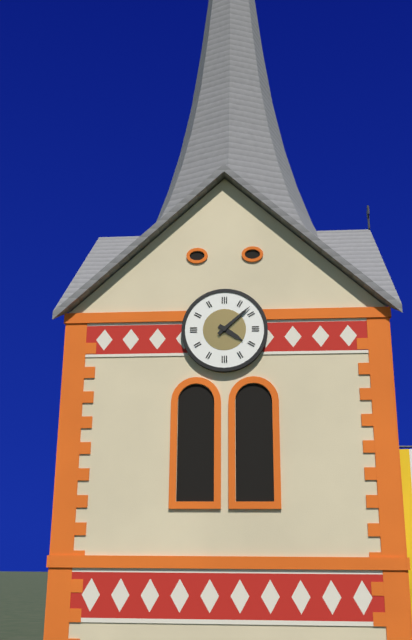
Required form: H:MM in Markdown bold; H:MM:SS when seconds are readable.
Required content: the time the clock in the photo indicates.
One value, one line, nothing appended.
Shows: **4:08**
